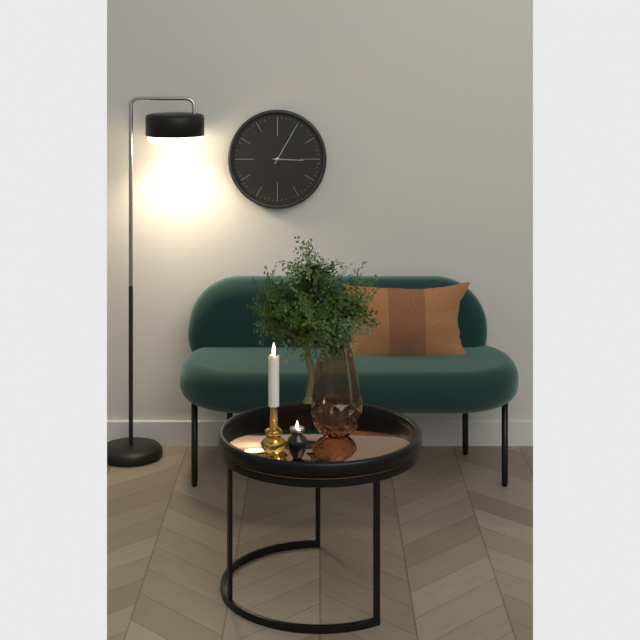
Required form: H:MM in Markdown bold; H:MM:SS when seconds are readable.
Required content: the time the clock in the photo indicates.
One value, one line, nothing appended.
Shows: **3:05**
